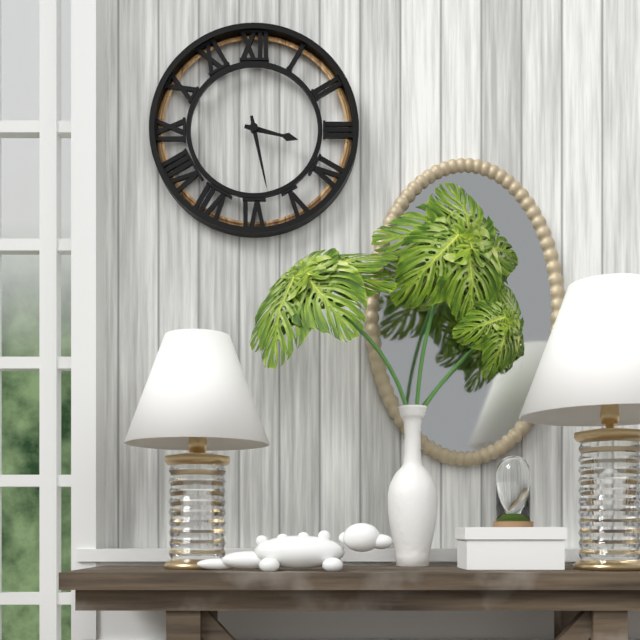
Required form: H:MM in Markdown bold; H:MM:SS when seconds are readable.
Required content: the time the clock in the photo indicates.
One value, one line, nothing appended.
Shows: **3:28**
